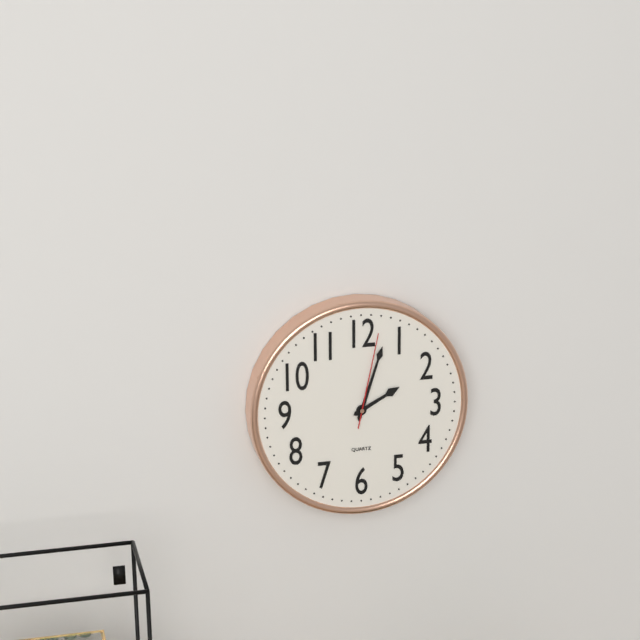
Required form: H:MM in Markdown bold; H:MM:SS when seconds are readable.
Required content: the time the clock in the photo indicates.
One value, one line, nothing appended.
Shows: **2:03:02**
